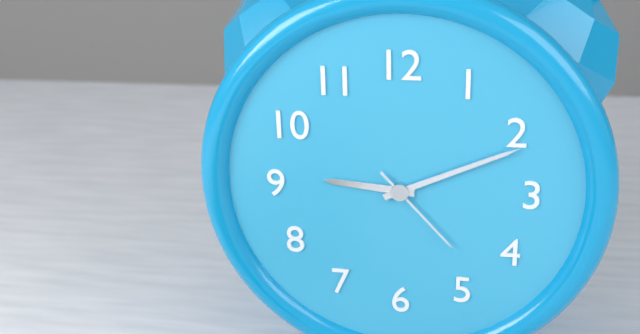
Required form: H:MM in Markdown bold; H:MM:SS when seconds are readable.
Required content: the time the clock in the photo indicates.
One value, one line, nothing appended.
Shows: **9:11:23**
